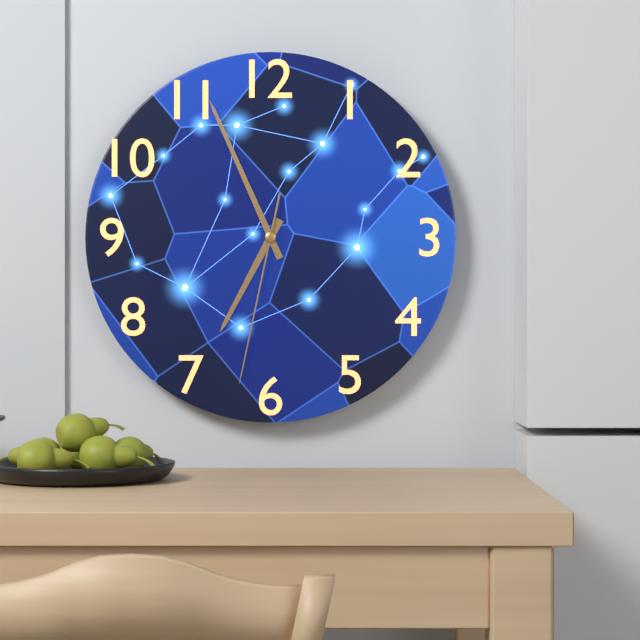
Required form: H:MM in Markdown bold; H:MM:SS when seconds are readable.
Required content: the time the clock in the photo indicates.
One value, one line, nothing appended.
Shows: **6:56:32**
